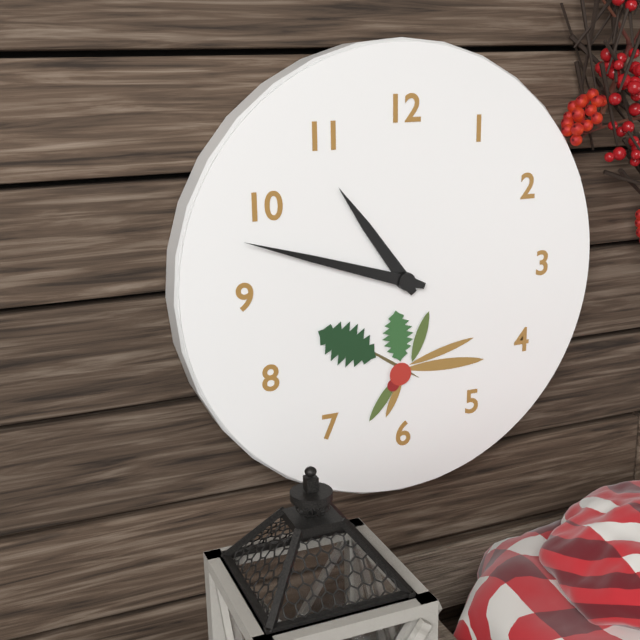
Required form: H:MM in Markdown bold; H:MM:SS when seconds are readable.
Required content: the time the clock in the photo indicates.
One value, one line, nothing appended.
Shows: **10:48**
